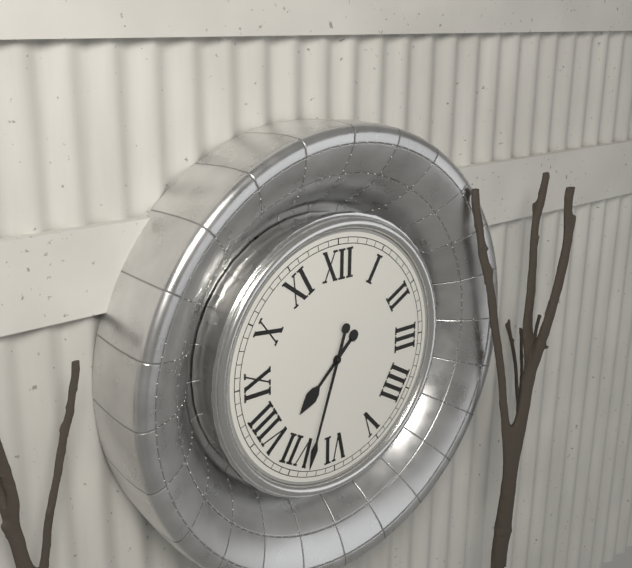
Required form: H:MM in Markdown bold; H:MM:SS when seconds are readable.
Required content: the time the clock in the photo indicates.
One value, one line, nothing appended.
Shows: **7:33**
